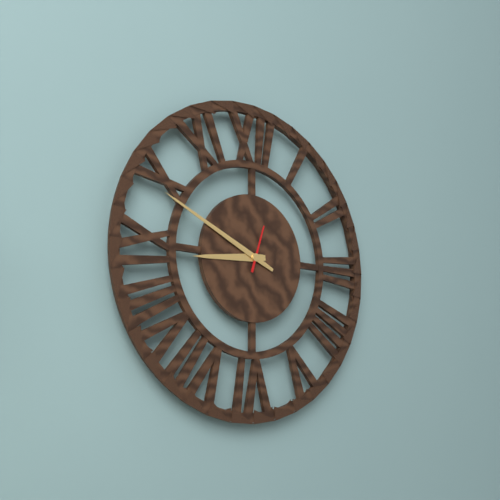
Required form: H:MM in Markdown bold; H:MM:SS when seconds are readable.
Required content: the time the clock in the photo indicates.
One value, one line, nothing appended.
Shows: **8:49**
